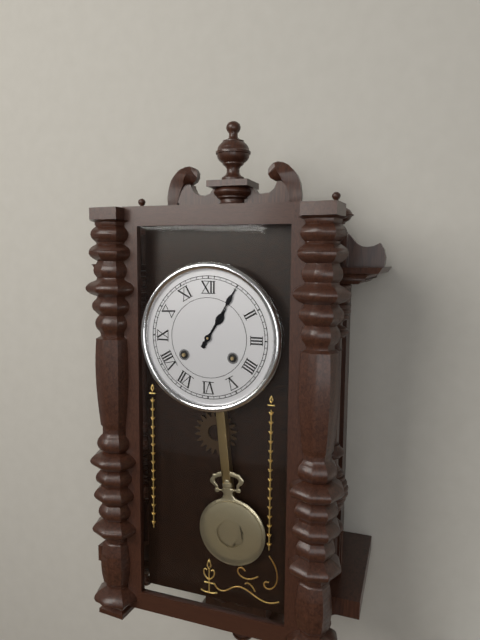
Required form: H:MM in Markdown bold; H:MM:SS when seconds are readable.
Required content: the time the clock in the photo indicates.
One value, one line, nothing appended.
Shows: **1:05**
